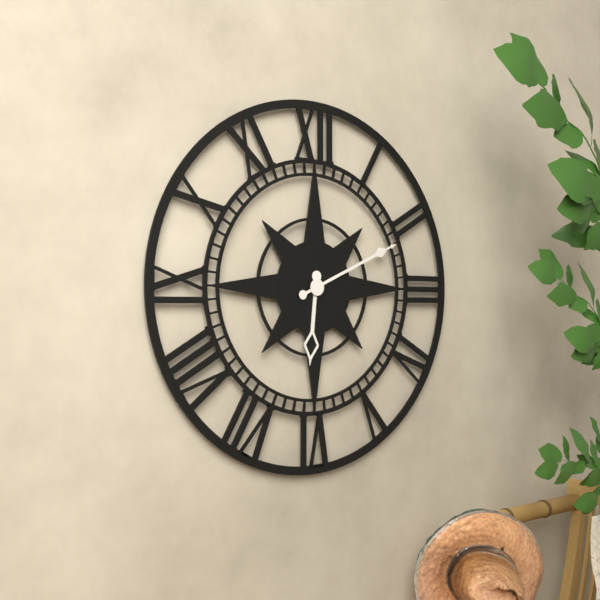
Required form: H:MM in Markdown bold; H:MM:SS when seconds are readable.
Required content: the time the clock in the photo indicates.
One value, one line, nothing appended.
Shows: **6:11**
